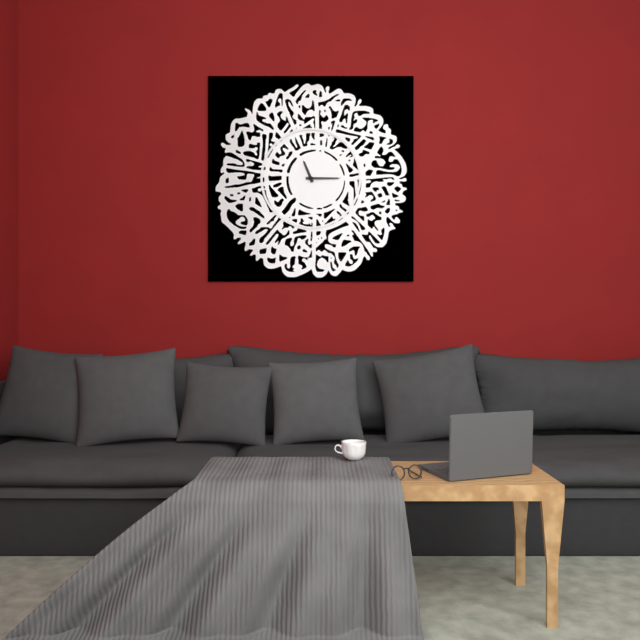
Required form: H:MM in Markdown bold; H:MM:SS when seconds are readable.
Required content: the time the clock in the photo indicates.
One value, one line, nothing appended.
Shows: **11:15**
